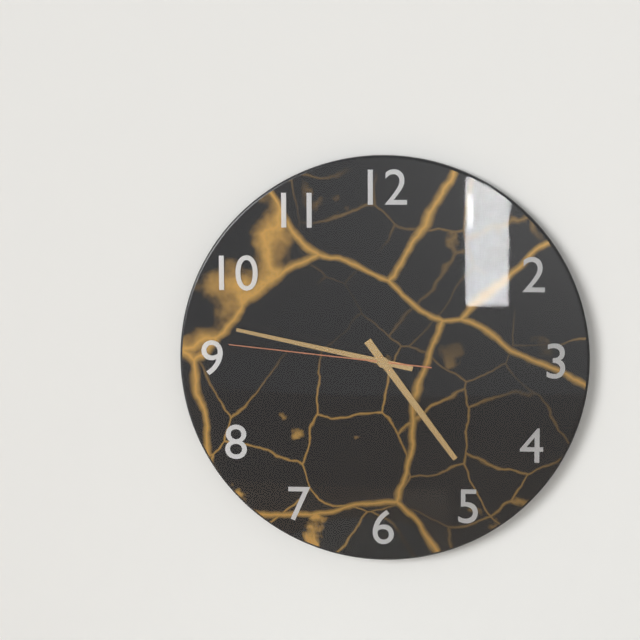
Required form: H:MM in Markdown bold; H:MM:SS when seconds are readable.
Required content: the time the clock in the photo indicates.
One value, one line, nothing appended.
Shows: **4:47:46**
